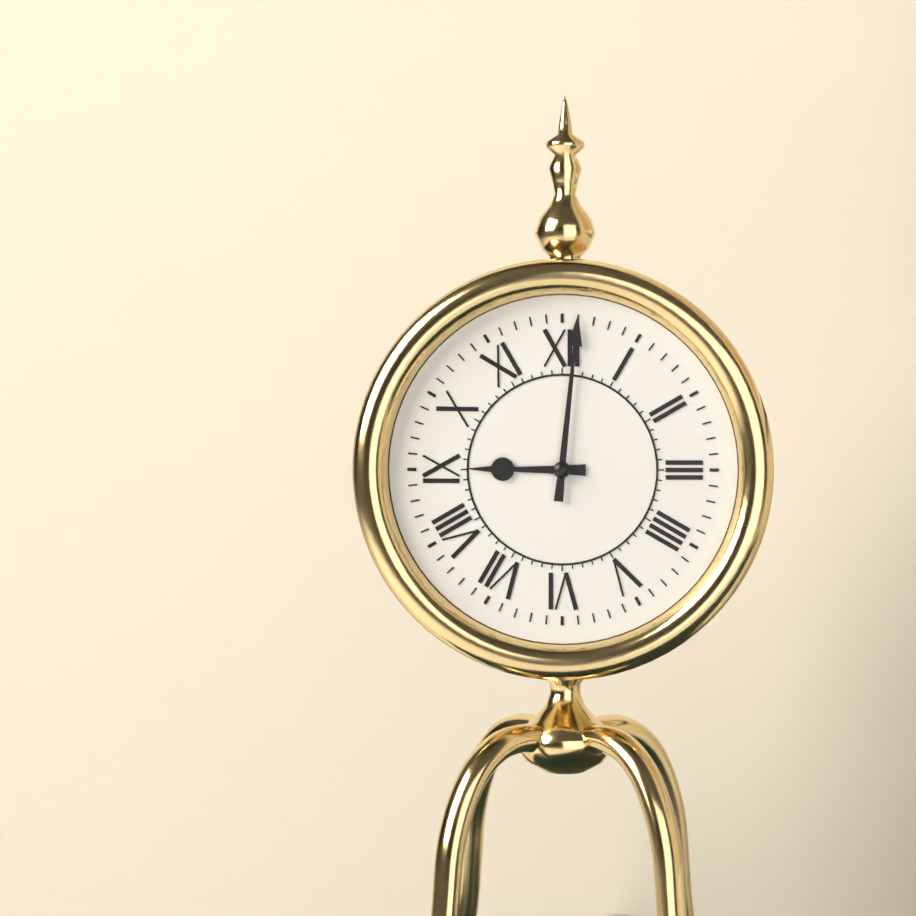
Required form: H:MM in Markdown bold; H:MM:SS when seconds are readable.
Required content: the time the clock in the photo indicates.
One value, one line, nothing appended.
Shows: **9:01**
